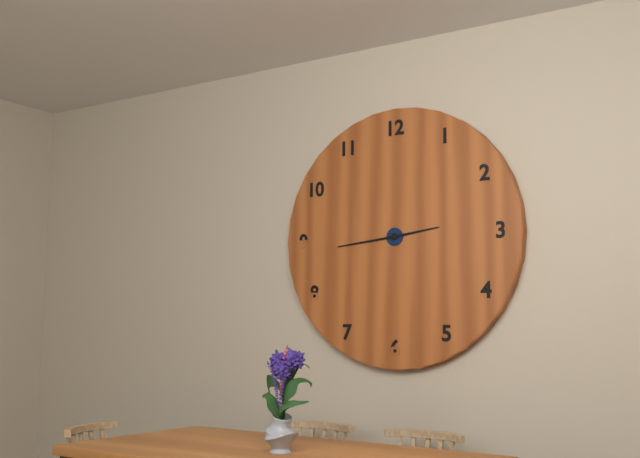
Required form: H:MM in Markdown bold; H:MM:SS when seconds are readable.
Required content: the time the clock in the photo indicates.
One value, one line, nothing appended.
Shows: **2:44**
